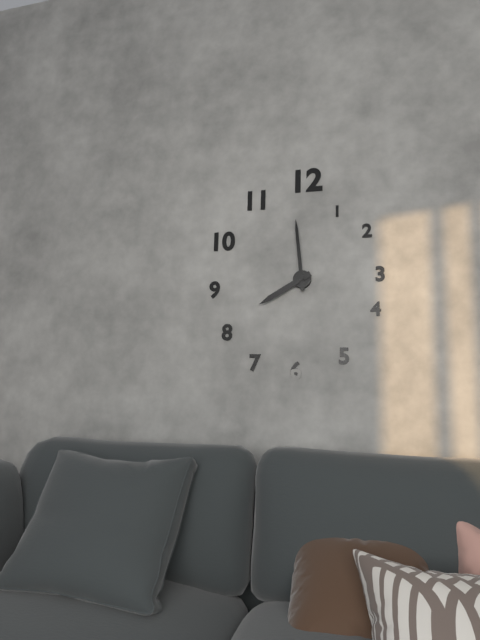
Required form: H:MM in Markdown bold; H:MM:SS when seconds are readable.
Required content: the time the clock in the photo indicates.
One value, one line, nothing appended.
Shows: **7:59**
